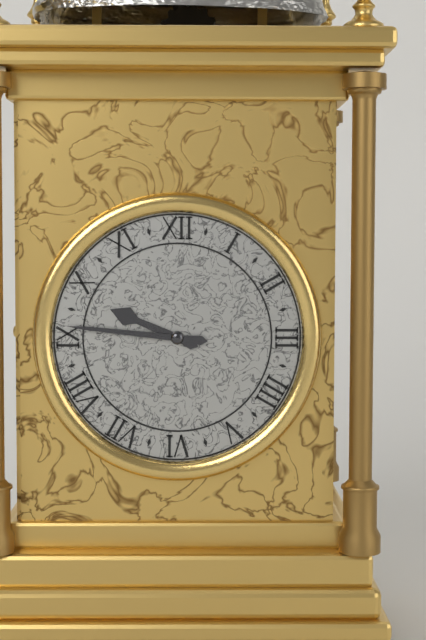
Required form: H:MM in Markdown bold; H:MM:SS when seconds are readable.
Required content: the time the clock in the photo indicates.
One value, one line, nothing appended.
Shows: **9:46**
